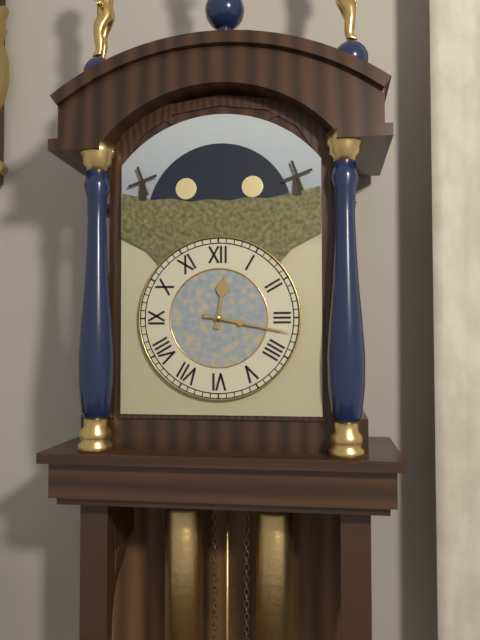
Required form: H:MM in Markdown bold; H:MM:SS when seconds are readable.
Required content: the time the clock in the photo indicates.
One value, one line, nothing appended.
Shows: **12:17**
